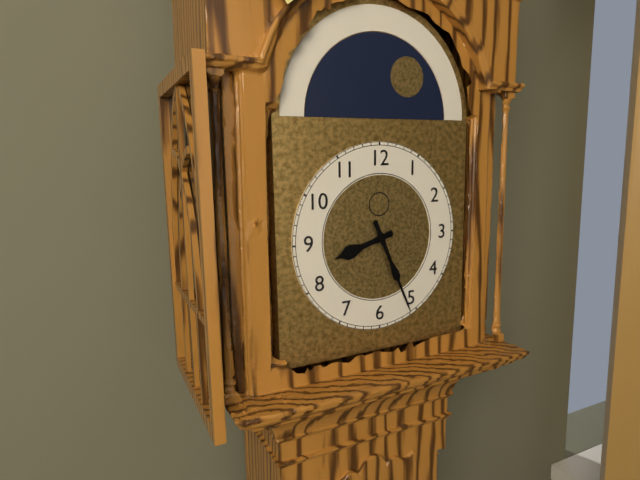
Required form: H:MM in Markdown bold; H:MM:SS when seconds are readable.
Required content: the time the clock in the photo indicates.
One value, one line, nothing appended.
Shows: **8:26**
